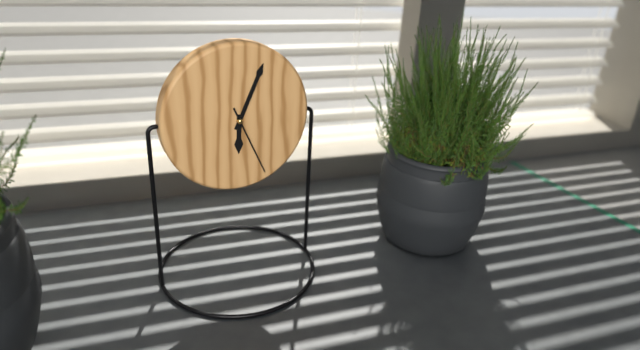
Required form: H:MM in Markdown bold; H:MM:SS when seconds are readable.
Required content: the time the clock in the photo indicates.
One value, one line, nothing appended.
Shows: **6:04:26**
